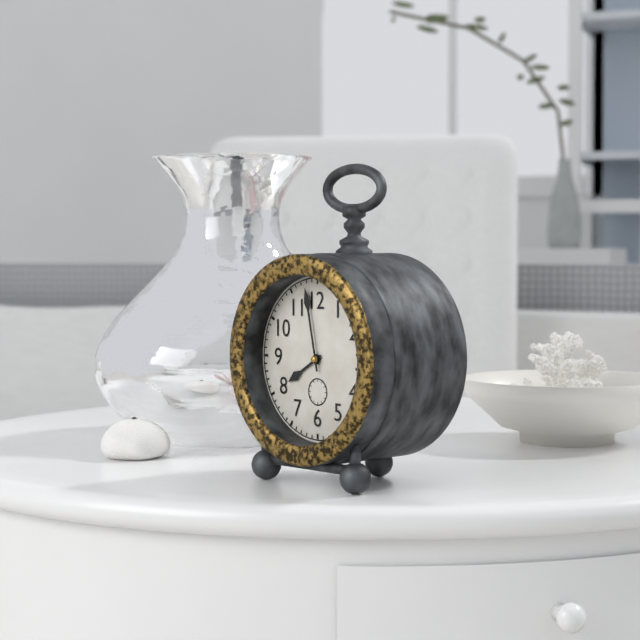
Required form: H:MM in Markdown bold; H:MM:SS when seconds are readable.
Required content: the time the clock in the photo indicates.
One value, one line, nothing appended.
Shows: **7:58**
